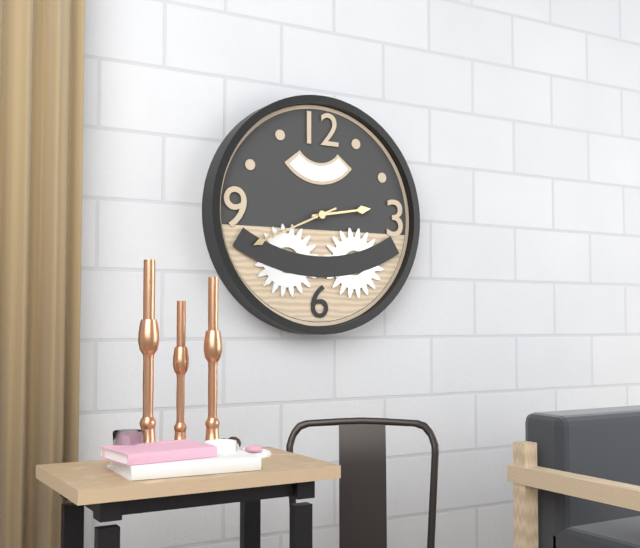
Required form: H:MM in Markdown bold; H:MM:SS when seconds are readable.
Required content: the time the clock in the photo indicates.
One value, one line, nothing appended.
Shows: **2:41**
